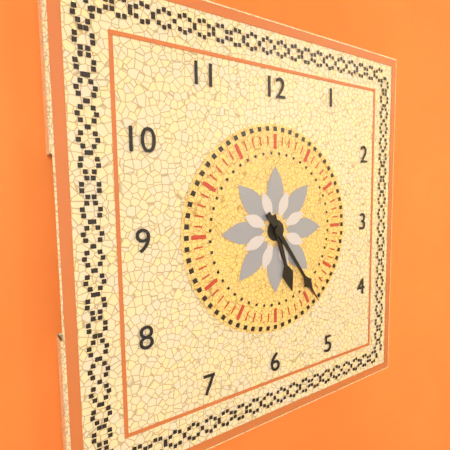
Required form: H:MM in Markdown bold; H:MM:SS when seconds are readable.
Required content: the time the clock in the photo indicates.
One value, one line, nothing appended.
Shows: **5:24**
